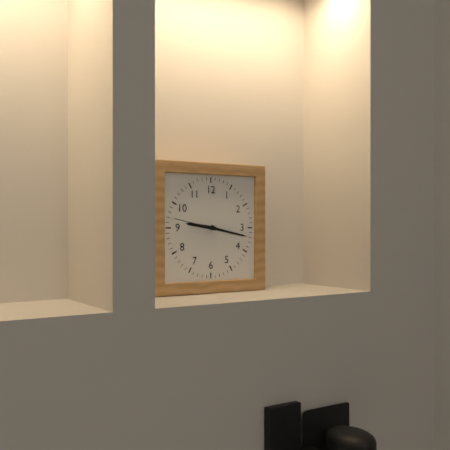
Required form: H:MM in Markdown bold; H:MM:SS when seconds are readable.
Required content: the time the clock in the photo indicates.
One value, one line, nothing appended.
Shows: **9:17:47**
